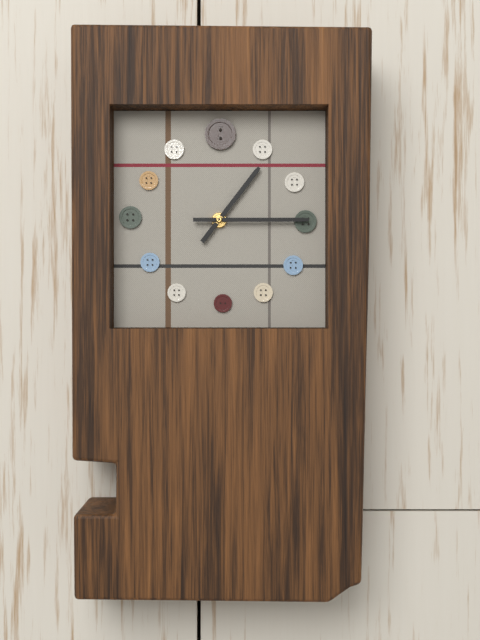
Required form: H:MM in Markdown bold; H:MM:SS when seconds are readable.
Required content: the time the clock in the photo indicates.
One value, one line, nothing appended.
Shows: **1:15**
